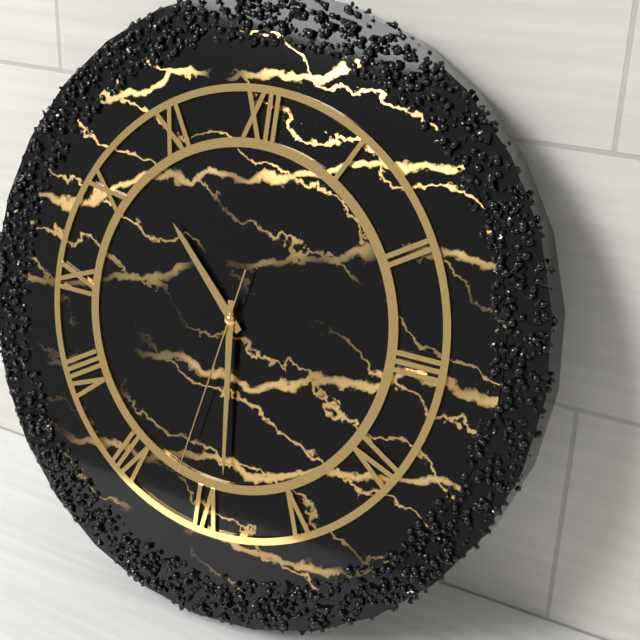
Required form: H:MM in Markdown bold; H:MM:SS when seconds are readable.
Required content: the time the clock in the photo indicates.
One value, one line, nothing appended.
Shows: **10:29:32**
